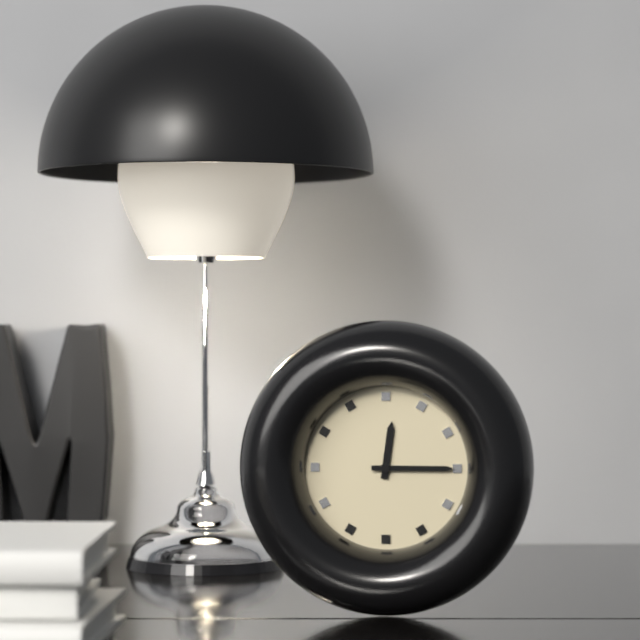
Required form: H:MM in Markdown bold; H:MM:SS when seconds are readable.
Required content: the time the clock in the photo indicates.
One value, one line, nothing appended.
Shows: **12:15**
